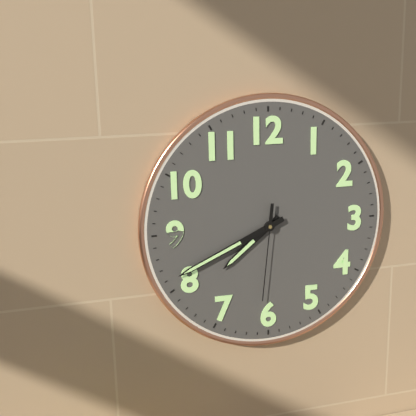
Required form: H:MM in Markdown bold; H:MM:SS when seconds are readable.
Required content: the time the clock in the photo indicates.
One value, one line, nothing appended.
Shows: **7:41:31**
